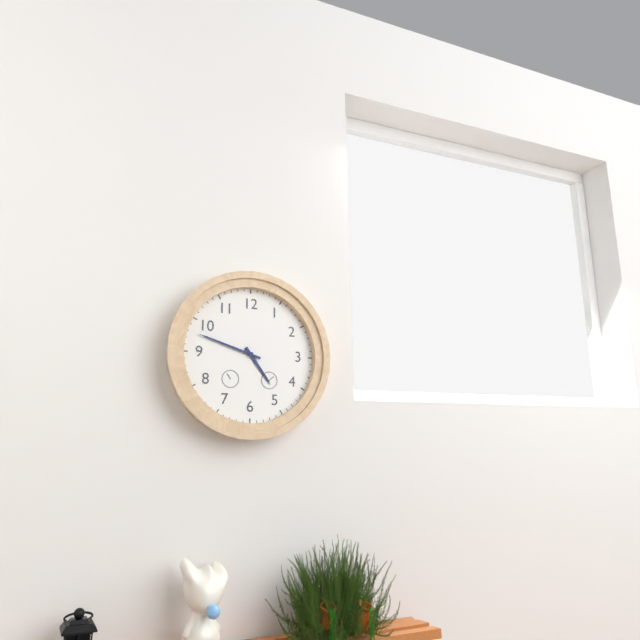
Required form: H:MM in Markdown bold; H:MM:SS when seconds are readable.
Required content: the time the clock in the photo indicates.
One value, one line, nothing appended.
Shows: **4:48**
